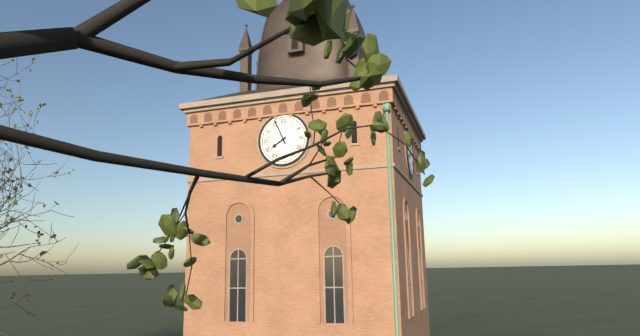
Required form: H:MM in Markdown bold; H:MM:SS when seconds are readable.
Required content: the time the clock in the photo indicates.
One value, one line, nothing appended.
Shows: **7:56**
